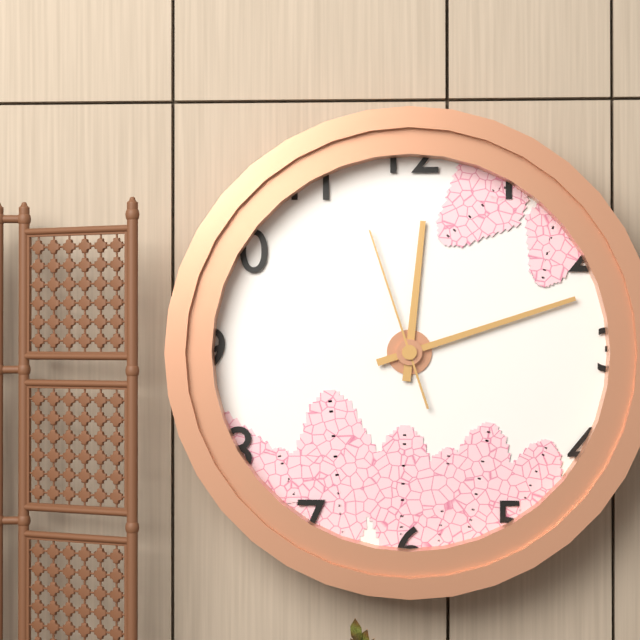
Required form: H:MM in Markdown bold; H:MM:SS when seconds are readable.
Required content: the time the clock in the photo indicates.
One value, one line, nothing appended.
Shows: **12:12:57**
